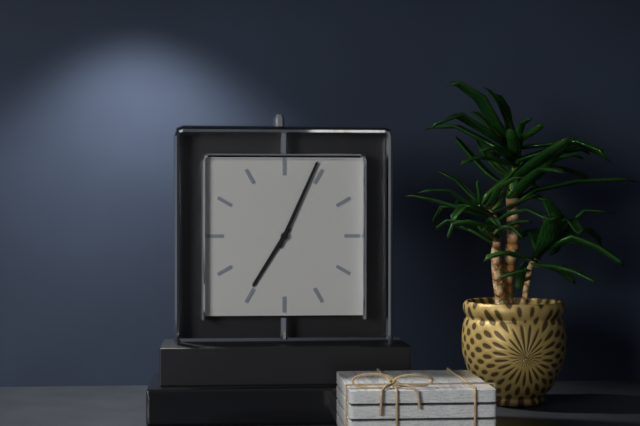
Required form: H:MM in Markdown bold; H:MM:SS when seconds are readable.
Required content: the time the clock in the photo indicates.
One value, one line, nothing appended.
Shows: **7:04**
